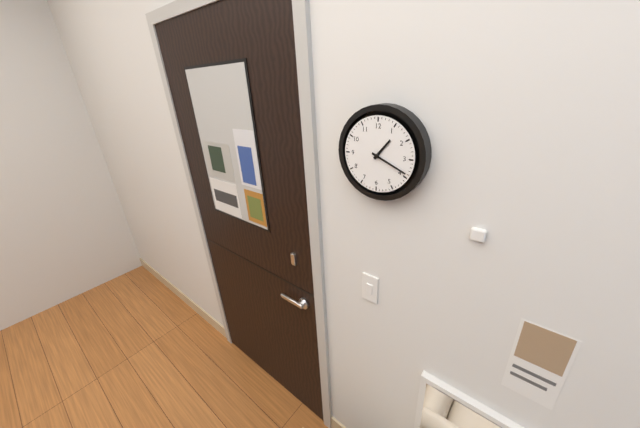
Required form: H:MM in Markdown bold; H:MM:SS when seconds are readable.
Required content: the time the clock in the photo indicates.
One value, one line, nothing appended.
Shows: **1:19**
